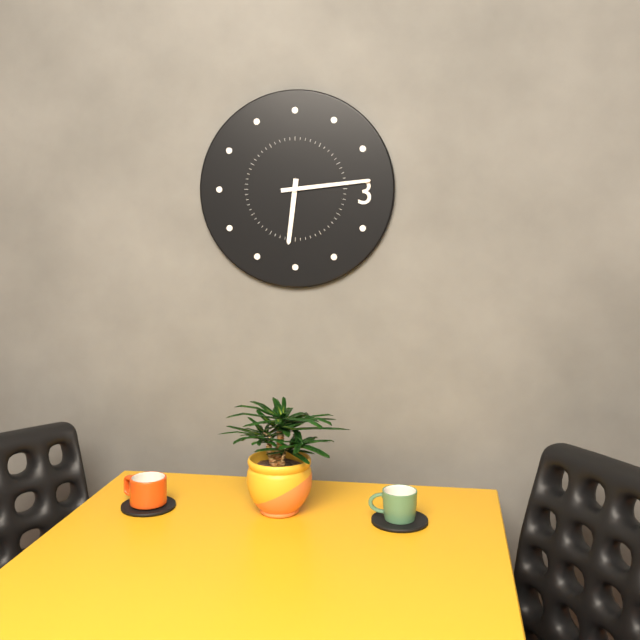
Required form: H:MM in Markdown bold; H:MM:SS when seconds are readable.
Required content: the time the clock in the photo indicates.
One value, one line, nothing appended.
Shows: **6:14**
